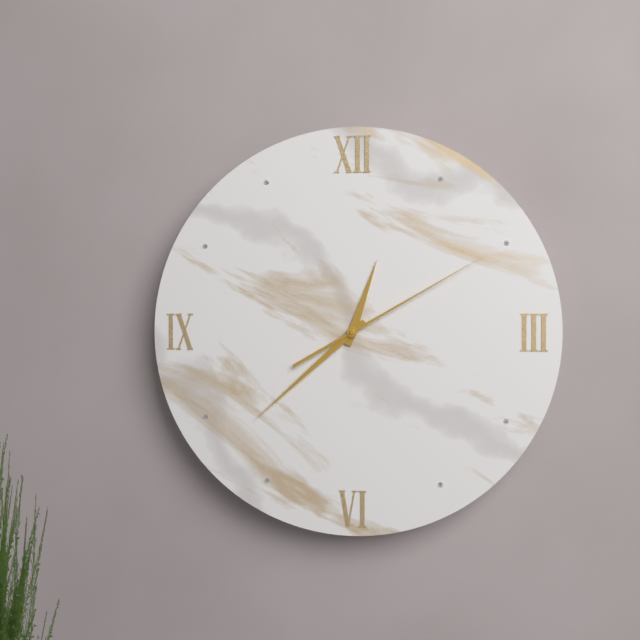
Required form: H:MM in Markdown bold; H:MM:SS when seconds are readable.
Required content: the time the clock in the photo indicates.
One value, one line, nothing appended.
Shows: **12:38:10**
